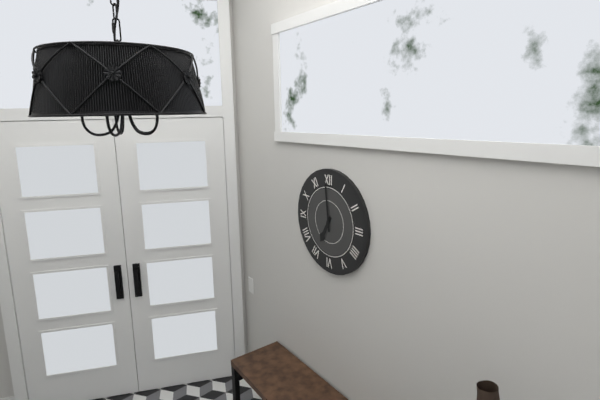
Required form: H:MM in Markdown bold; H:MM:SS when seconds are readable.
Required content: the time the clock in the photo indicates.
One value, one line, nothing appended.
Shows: **6:59**
